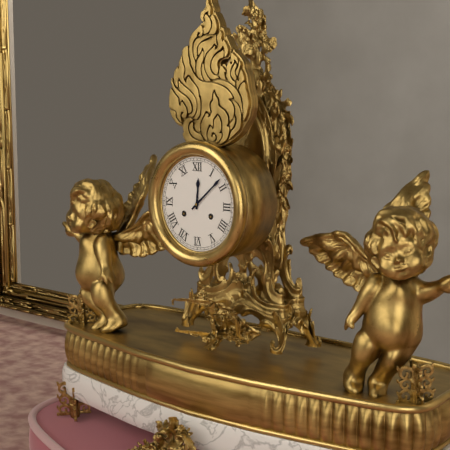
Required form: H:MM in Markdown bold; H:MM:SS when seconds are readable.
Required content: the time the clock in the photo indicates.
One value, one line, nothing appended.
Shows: **12:08**
